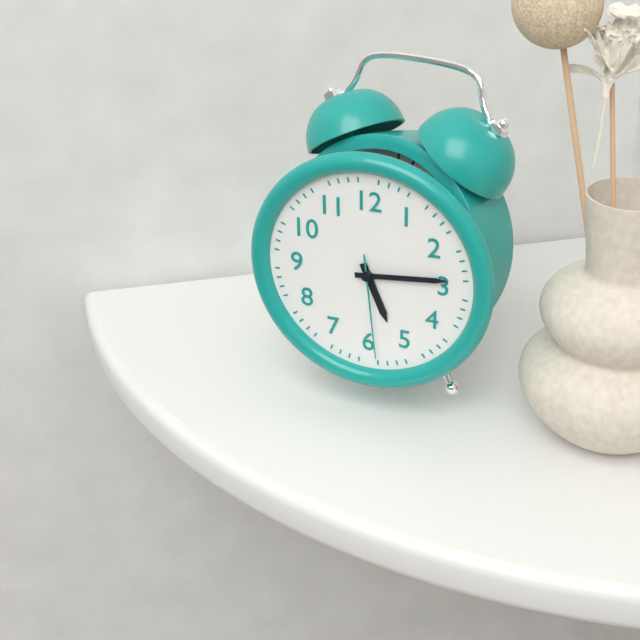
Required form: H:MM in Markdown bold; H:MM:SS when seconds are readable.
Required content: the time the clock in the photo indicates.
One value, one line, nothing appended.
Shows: **5:14:29**
